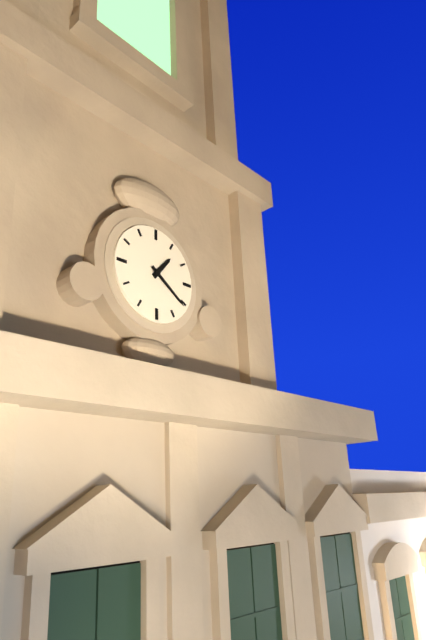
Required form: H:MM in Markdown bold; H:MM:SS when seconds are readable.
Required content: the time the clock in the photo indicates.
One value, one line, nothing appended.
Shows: **1:21**
